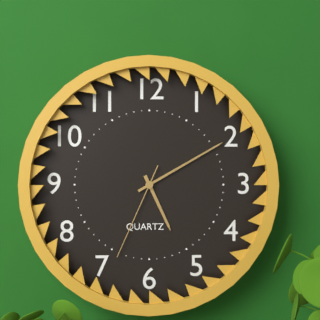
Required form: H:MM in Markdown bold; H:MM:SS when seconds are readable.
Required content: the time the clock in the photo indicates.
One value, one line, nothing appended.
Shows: **5:10:34**
